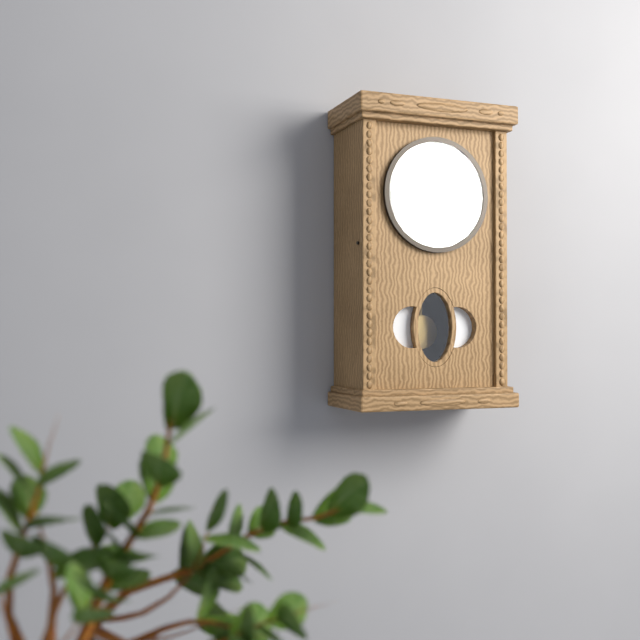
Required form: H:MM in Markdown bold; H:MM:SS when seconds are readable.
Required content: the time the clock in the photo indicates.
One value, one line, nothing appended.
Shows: **12:22**
